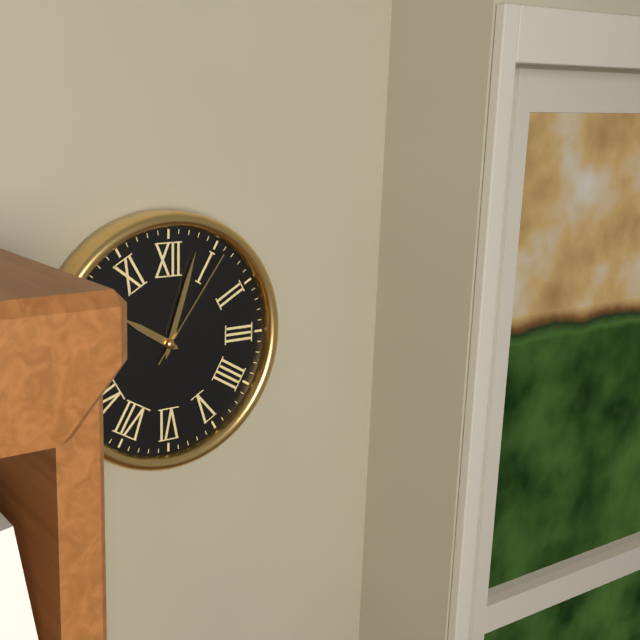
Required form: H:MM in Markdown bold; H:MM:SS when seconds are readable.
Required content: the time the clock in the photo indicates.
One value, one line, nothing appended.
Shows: **10:03:06**
